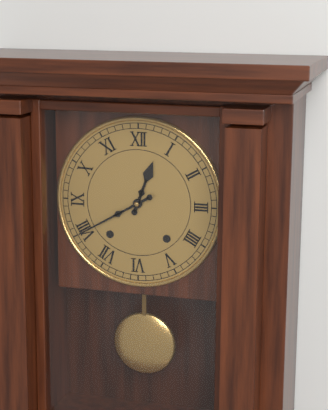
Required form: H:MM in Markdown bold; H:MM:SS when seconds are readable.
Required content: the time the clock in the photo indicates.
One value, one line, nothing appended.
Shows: **12:40**
